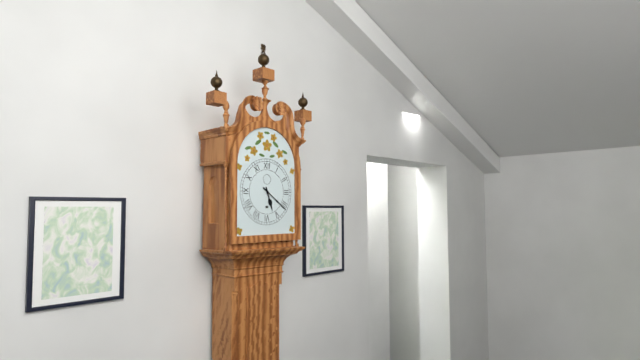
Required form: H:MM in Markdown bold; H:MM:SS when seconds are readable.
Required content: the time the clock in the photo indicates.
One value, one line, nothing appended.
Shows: **5:21**
